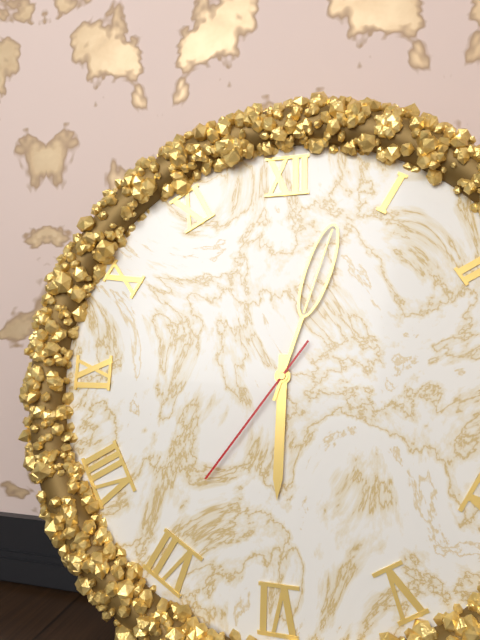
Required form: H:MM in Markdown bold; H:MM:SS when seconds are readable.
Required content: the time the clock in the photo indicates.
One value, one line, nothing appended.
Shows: **6:03:36**
